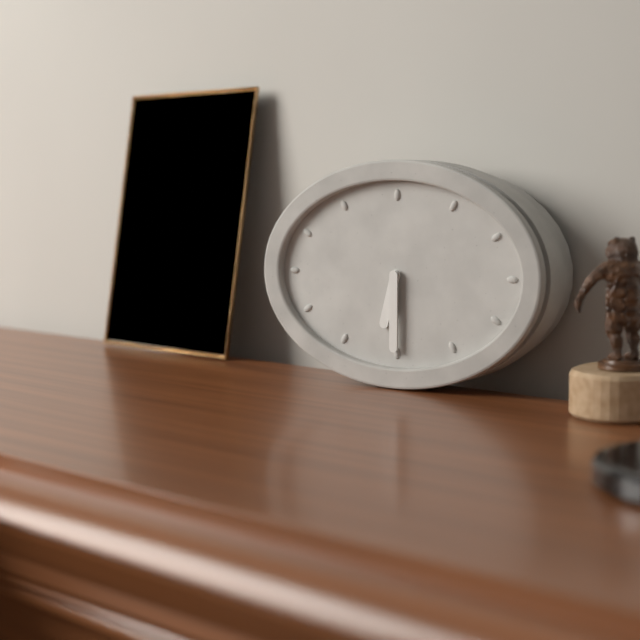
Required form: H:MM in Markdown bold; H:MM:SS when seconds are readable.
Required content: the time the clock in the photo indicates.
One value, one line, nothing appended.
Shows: **6:30**
